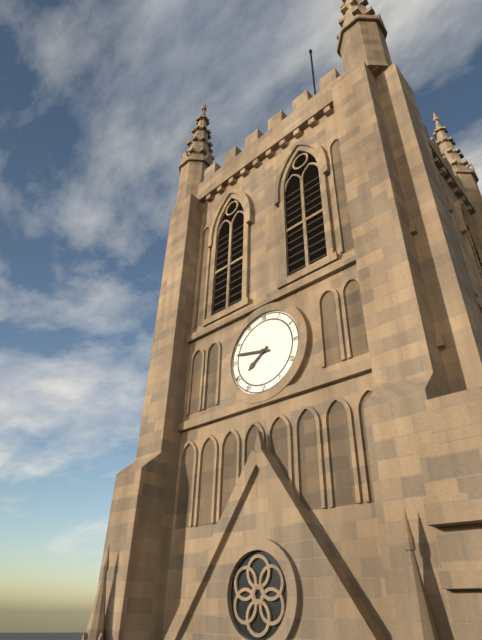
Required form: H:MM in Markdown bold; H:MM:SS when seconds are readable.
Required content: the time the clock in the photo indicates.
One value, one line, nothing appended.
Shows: **7:47**
